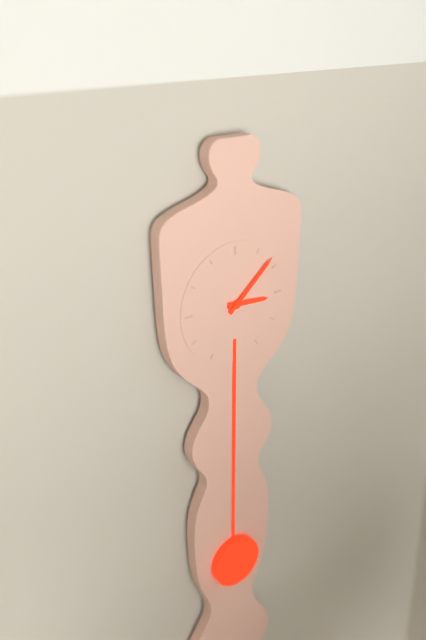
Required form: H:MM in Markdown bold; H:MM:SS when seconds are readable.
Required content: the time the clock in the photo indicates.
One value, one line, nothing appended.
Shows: **3:08**
